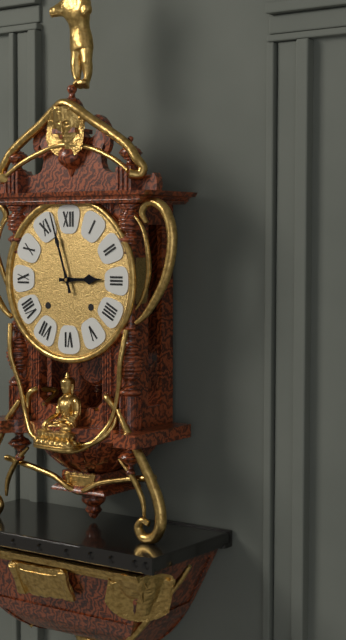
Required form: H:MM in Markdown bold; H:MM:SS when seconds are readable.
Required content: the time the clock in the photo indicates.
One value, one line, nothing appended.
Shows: **2:57**
